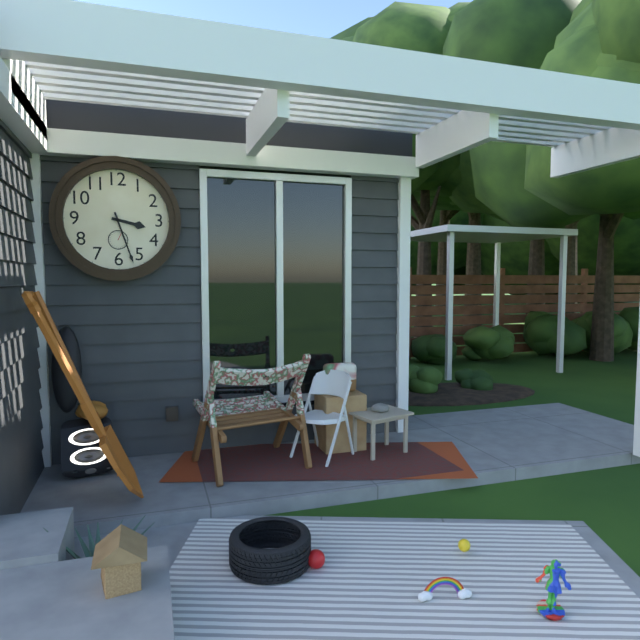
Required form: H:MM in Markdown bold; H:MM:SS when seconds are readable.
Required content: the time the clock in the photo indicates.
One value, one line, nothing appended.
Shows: **3:27**
